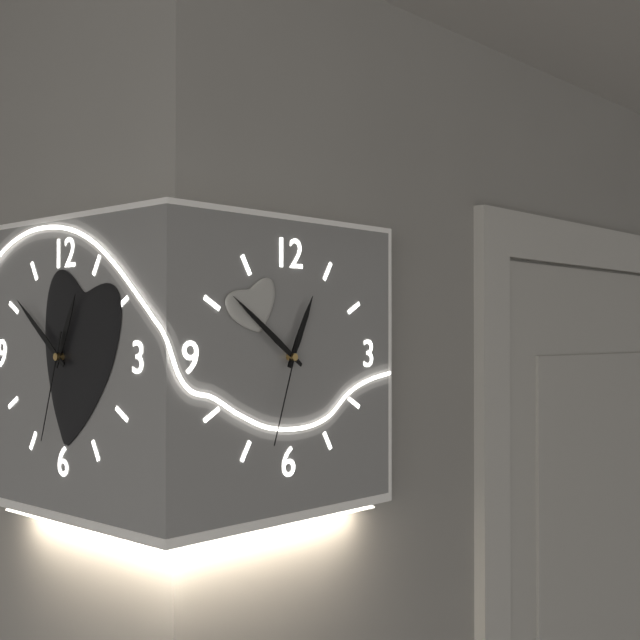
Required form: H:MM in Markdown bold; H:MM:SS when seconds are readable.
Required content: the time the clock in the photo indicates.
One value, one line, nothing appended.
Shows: **12:51:33**
